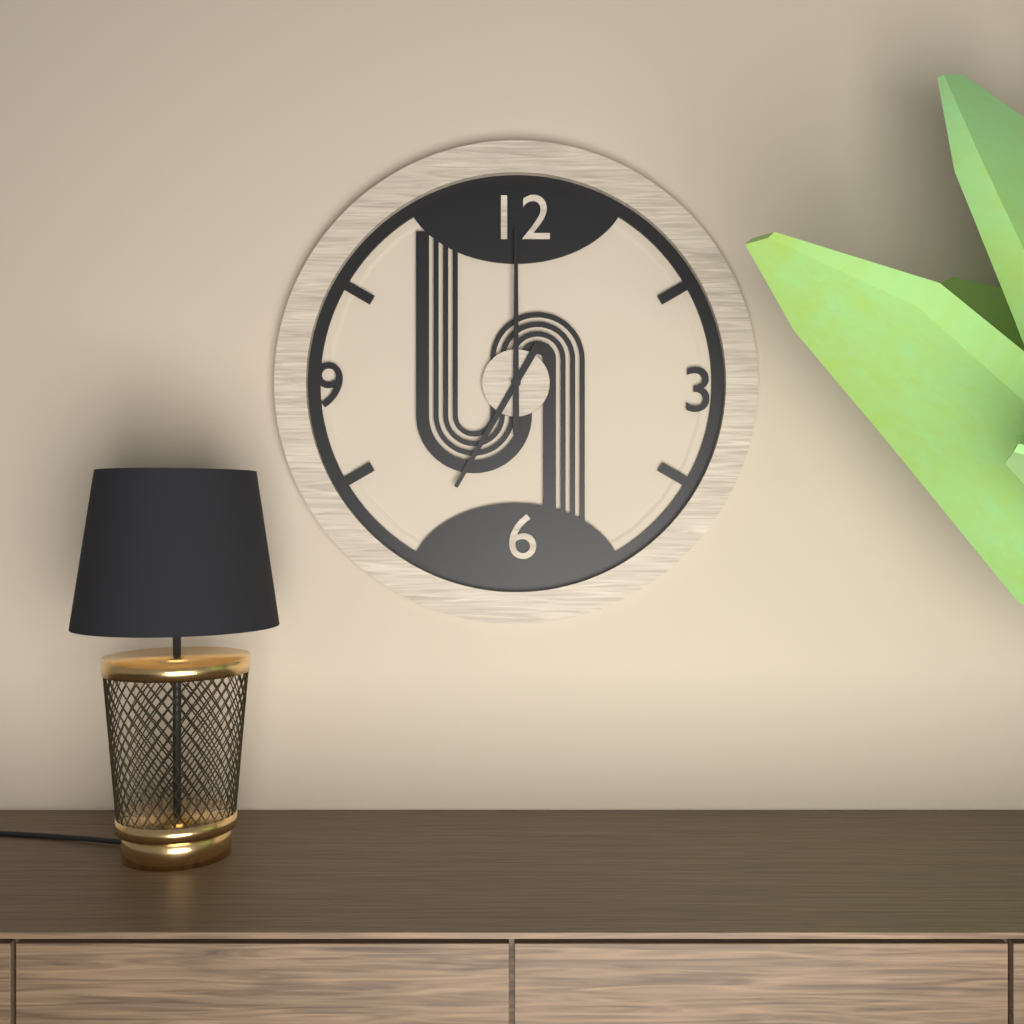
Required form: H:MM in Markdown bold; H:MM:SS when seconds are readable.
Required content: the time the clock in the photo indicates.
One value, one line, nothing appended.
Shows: **7:00**
